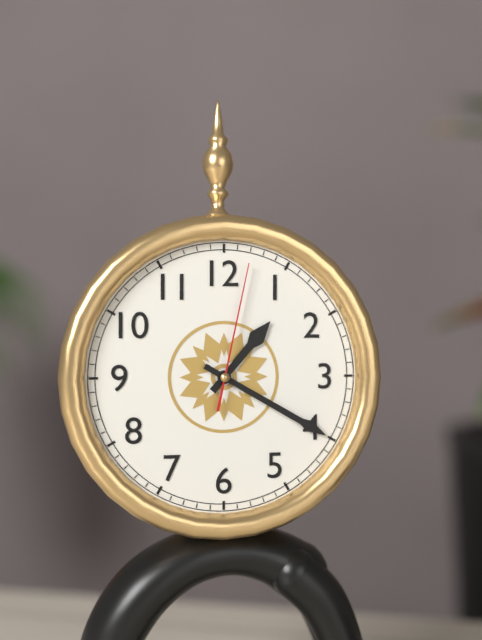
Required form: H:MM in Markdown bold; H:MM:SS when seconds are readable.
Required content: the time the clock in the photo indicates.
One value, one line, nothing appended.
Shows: **1:20:02**
